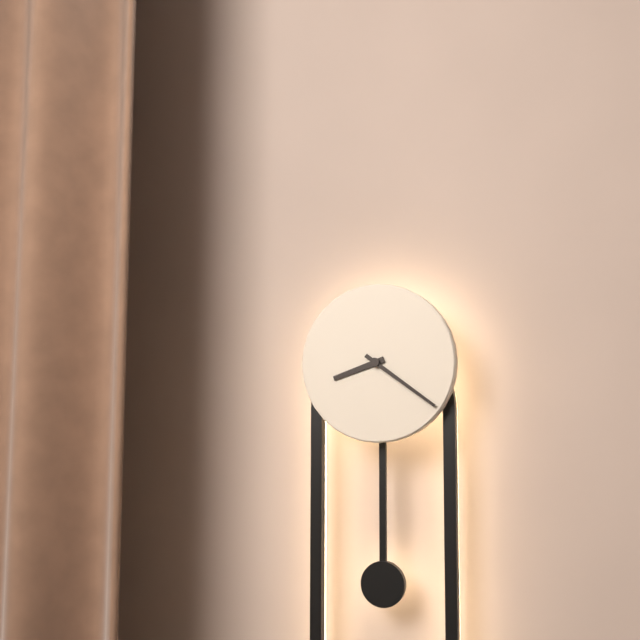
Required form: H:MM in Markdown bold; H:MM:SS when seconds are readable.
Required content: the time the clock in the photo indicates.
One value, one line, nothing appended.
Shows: **8:21**
